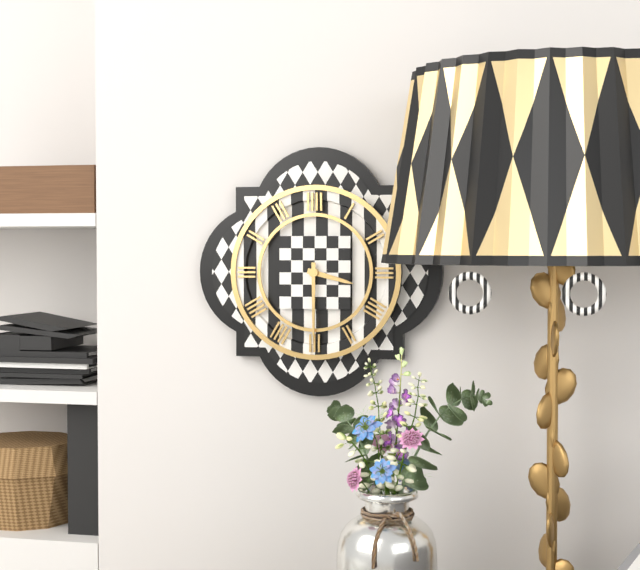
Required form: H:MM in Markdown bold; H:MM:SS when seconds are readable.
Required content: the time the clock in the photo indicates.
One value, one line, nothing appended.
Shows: **3:30**
